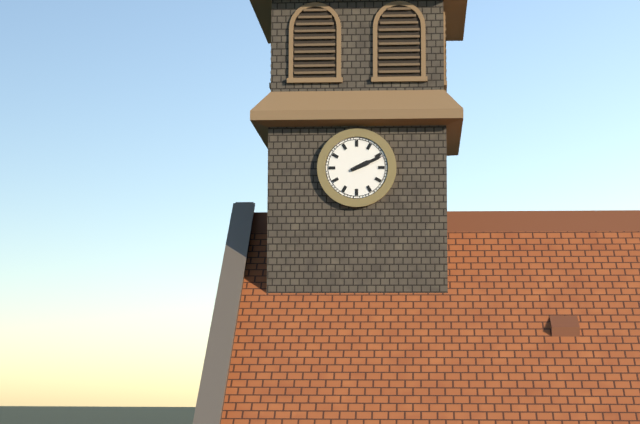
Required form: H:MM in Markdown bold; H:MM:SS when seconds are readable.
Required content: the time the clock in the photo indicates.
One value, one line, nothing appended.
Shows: **2:11**
